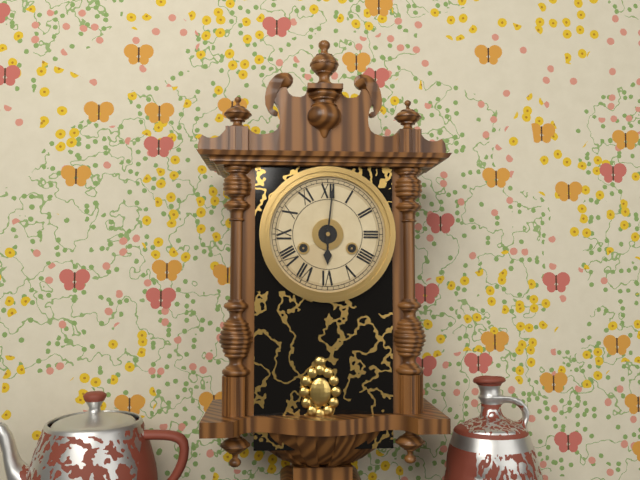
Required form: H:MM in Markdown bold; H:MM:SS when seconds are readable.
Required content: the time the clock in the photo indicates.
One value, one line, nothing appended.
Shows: **6:01**
